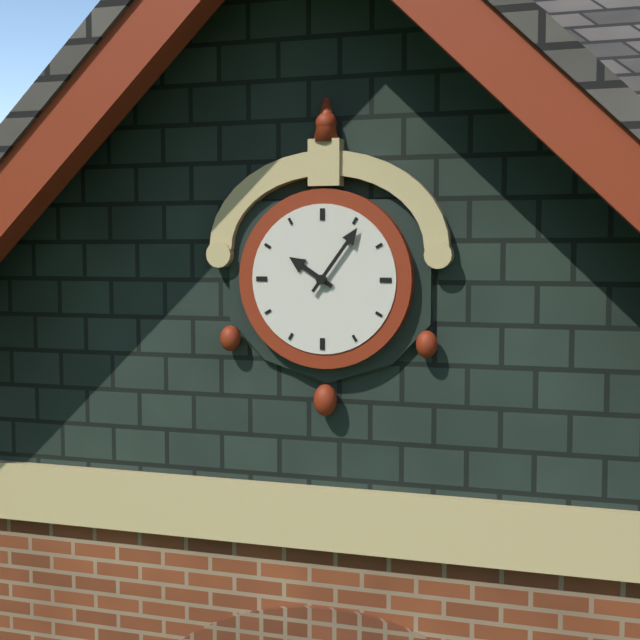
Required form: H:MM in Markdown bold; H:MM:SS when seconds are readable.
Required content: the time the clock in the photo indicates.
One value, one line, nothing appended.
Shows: **10:06**
